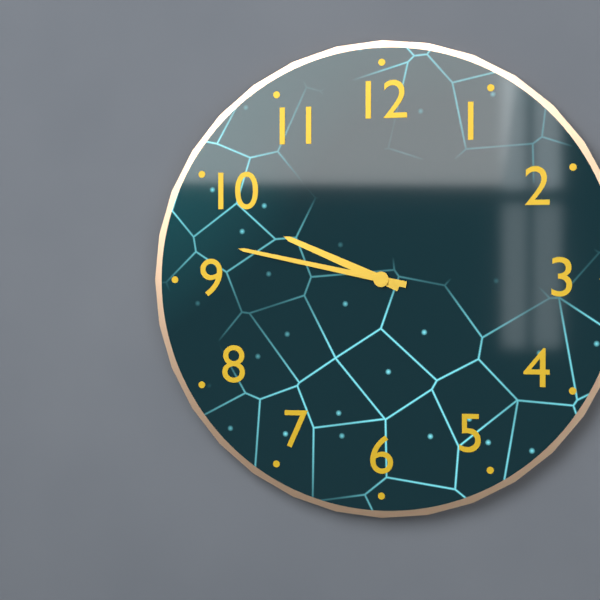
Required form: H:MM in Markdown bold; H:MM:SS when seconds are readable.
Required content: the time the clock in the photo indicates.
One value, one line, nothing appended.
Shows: **9:47**
